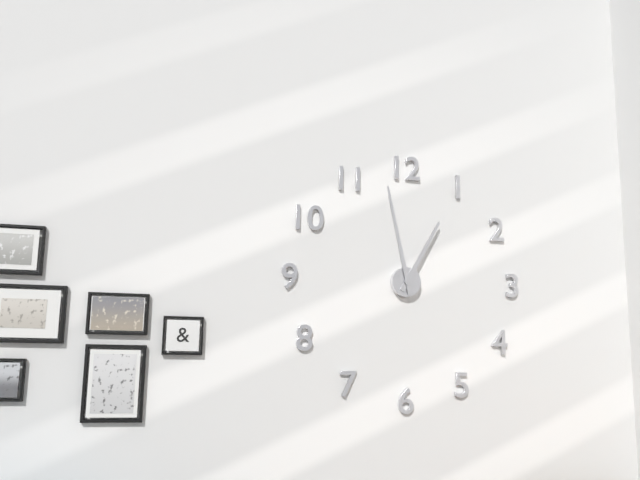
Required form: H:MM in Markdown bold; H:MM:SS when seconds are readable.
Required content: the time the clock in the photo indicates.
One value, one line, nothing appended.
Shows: **12:58**
